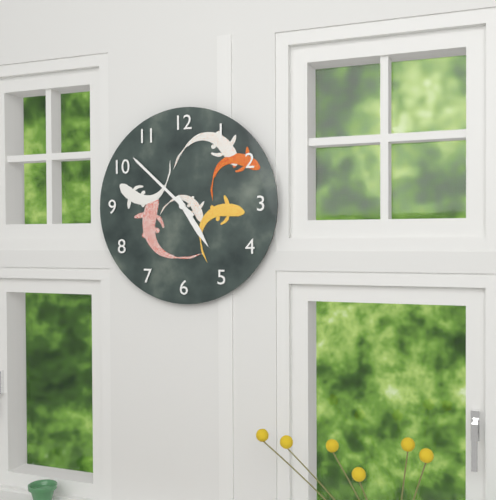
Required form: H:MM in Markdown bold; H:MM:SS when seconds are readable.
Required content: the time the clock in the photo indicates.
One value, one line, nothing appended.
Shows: **4:52**
